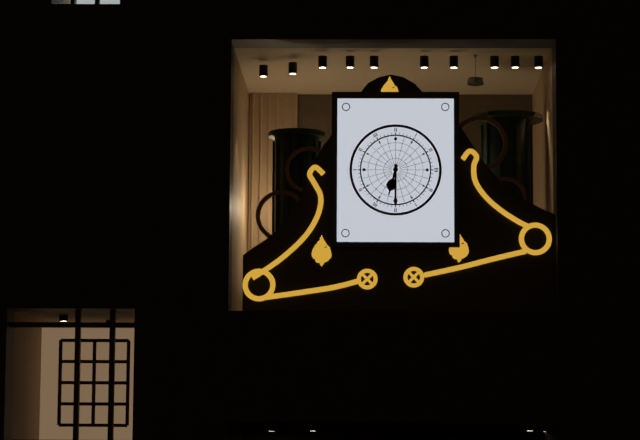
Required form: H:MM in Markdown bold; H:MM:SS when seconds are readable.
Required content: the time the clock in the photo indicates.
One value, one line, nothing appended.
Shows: **6:30**
